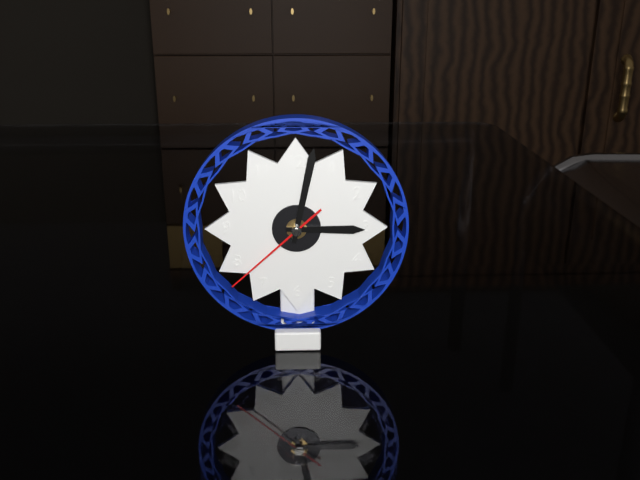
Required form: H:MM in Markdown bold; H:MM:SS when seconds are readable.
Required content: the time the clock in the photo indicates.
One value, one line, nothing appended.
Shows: **3:02:38**
